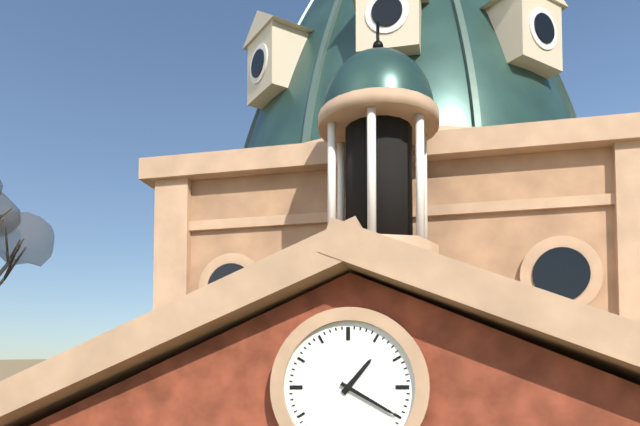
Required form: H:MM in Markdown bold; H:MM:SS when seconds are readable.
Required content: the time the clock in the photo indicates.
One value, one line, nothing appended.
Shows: **1:20**
